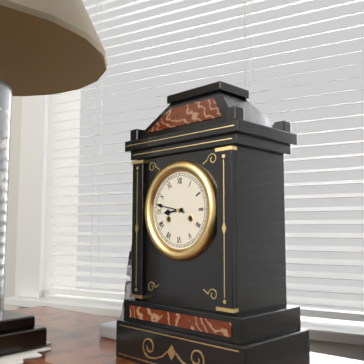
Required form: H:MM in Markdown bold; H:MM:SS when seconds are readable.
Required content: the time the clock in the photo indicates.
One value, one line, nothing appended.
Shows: **8:47**
